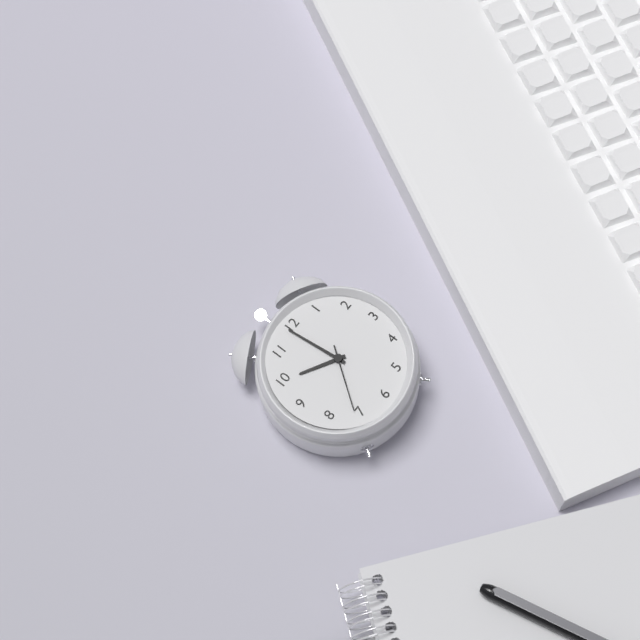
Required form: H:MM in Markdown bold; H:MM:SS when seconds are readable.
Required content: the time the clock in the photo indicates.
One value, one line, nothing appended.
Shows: **9:59**
